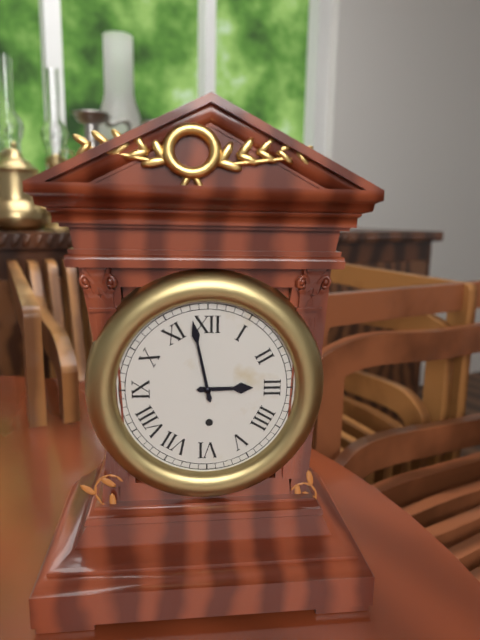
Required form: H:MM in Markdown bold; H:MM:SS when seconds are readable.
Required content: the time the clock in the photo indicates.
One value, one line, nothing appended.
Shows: **2:58**
